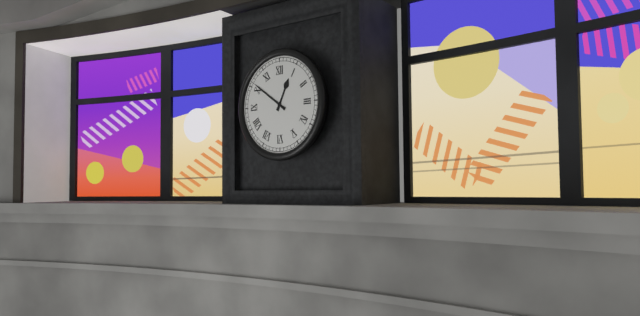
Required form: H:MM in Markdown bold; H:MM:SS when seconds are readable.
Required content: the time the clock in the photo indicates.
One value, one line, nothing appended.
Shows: **12:51**
